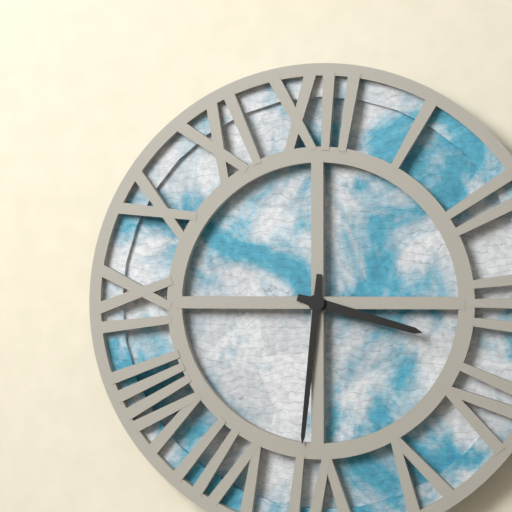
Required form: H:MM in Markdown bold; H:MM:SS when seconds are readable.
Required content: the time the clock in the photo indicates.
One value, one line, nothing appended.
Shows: **3:31**
